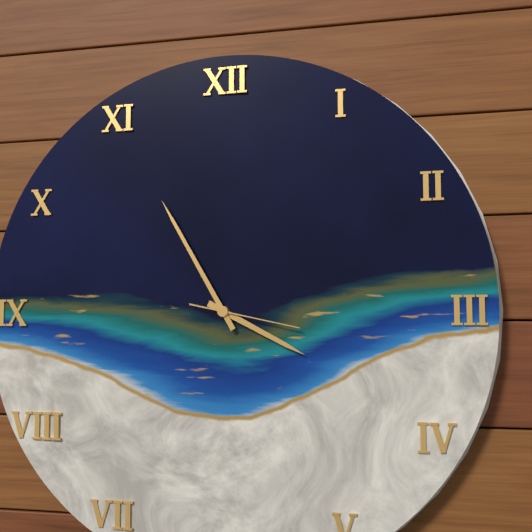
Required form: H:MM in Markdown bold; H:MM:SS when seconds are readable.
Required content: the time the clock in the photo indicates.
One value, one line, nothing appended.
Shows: **3:55:17**
